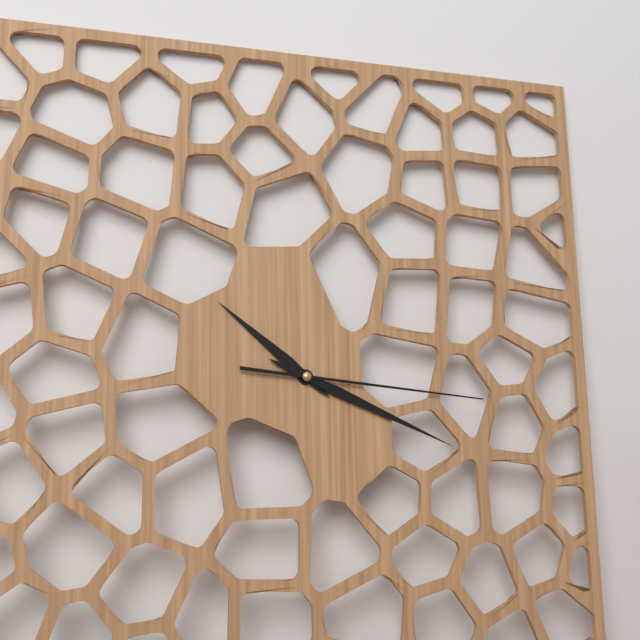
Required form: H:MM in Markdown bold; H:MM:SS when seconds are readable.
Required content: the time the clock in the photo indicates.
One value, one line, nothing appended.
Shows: **10:19:16**
